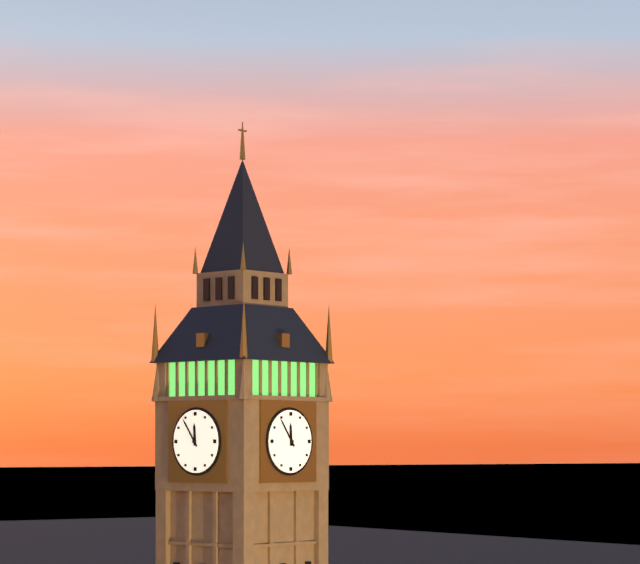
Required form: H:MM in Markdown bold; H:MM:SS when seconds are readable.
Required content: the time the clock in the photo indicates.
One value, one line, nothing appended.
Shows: **11:54**
